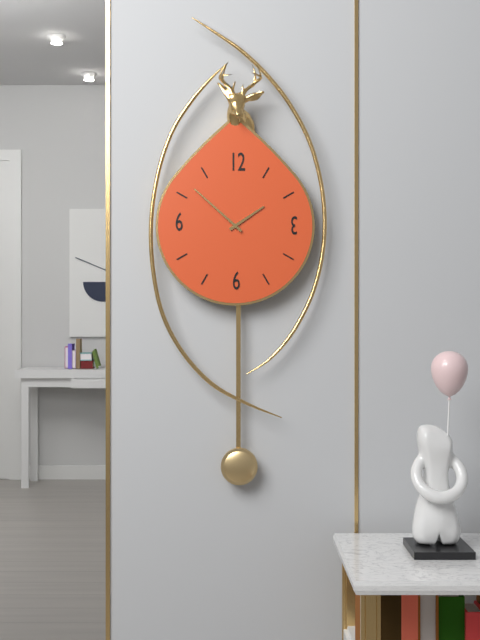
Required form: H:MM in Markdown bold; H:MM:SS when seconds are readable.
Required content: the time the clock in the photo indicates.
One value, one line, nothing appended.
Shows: **1:52**
